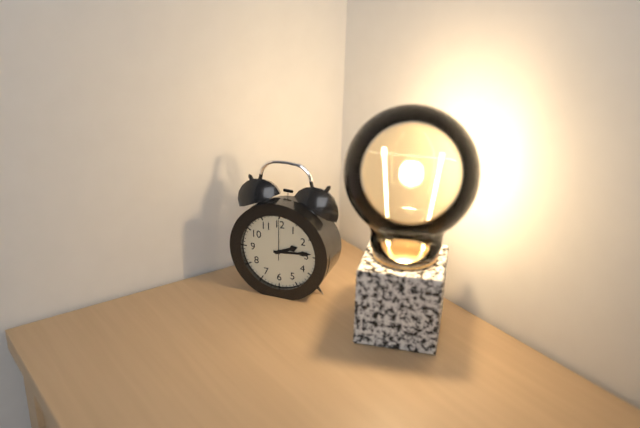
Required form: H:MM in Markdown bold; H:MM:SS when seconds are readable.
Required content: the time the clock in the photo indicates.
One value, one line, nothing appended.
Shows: **2:14**
